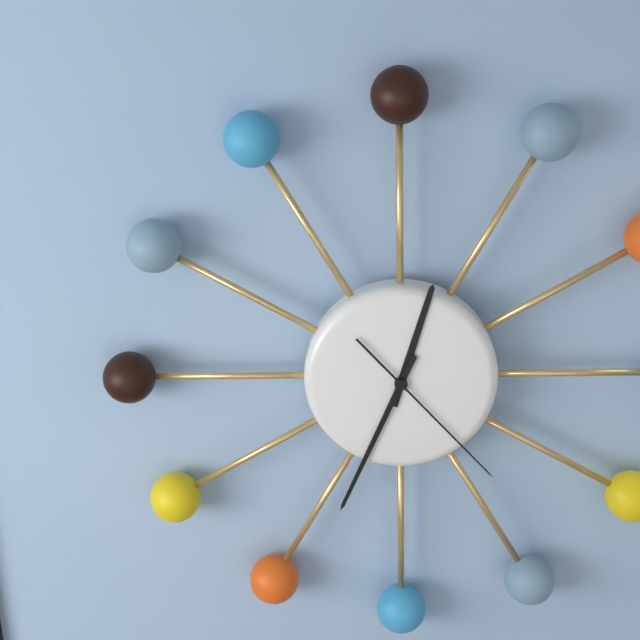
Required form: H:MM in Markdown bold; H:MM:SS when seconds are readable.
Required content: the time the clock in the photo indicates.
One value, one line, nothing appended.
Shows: **12:34:23**
